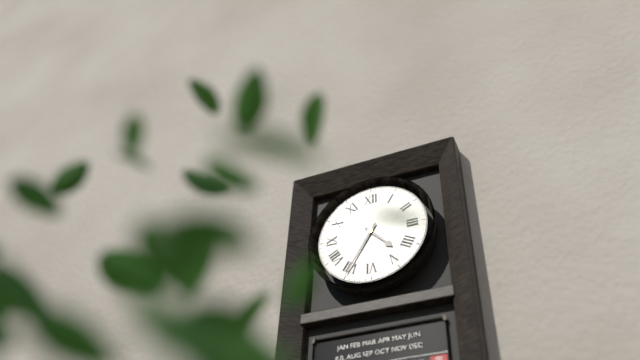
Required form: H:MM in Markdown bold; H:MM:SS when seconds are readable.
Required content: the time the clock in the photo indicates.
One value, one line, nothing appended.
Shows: **4:35**
